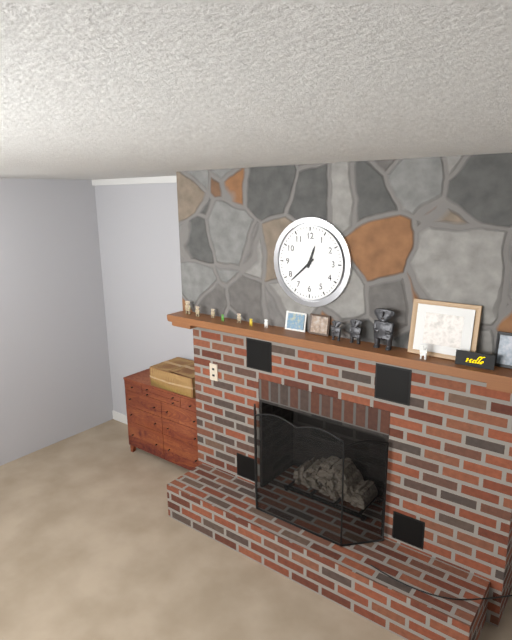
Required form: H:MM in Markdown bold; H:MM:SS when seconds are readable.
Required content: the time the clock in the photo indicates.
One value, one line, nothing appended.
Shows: **12:38**
